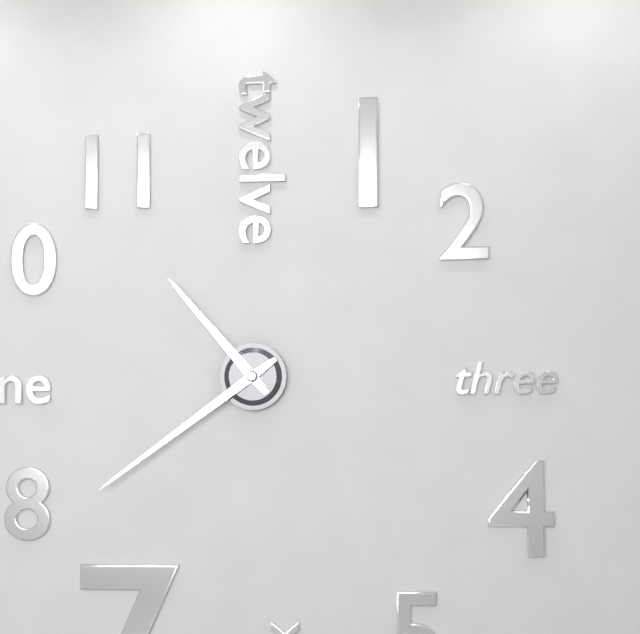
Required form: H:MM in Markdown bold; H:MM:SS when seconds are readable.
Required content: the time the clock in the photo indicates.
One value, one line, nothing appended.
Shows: **10:39**
